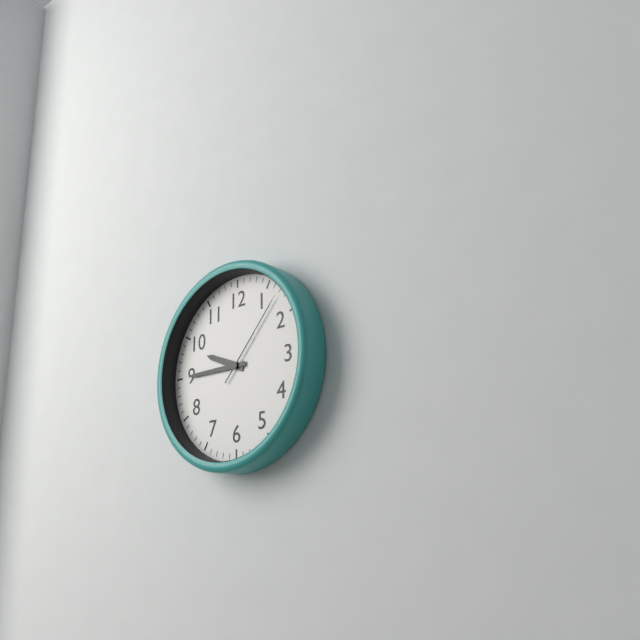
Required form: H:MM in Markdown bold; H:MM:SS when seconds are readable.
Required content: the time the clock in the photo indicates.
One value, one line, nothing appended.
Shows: **9:45:07**
